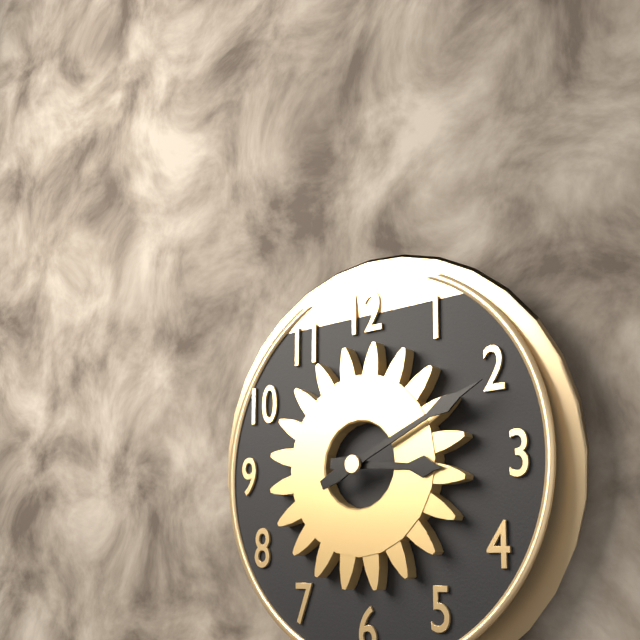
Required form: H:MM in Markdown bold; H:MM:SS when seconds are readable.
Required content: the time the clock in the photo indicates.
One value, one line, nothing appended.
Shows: **3:11**
